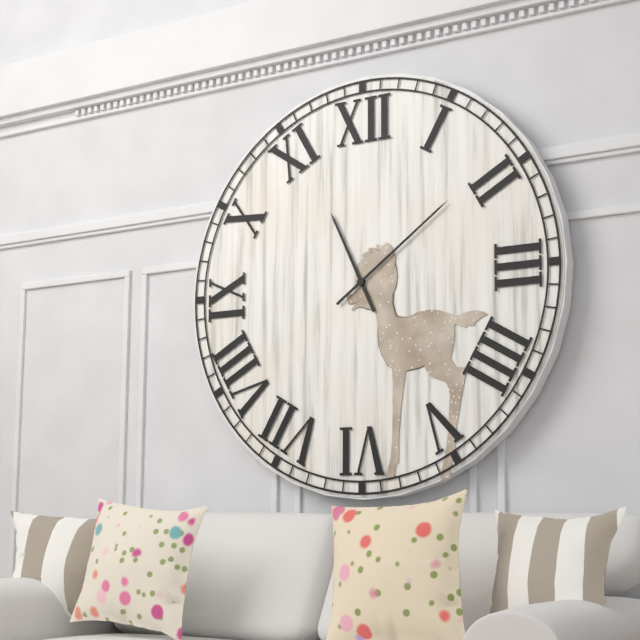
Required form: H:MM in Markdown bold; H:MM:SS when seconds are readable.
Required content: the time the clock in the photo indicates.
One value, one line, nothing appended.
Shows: **11:09**
